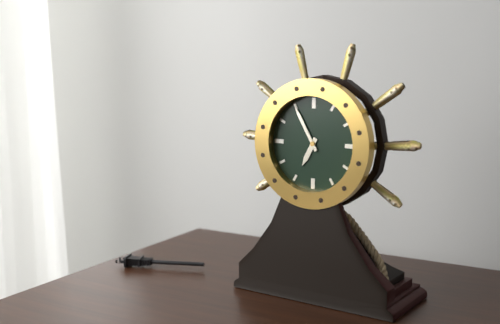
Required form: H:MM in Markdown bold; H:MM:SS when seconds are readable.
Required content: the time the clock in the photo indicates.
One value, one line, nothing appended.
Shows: **6:55**
